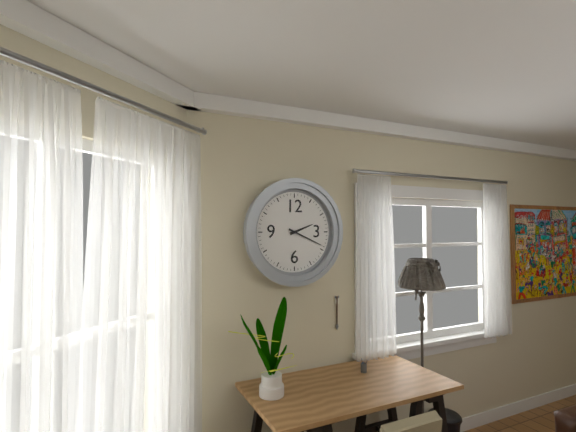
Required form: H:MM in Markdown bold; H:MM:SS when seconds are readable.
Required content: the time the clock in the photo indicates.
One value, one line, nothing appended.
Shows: **2:19**
